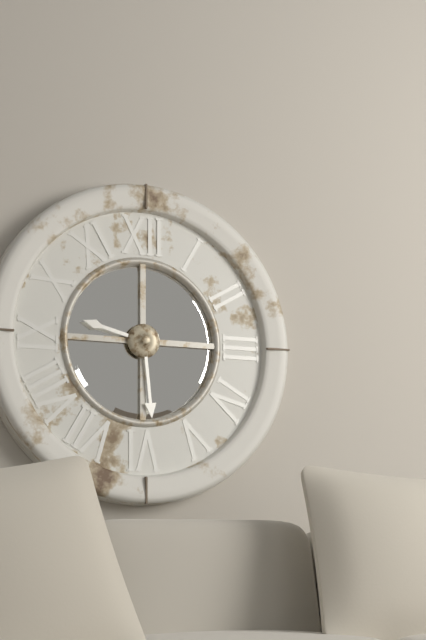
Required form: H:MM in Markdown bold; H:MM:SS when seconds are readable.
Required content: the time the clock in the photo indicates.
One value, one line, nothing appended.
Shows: **9:29**
